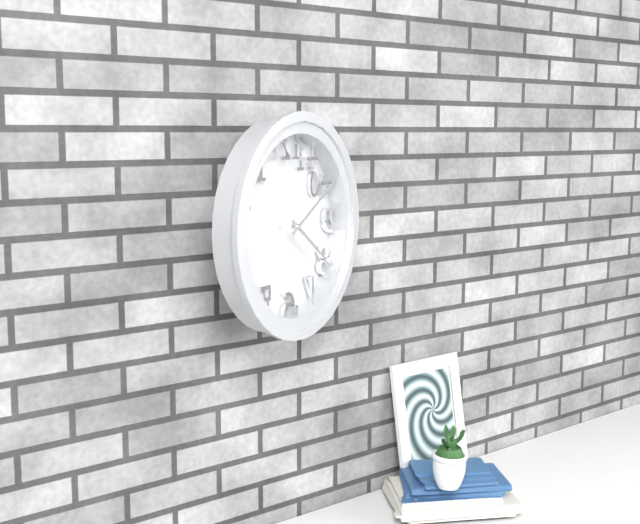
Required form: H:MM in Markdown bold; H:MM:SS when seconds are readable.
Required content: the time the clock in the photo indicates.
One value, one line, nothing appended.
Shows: **4:10**
